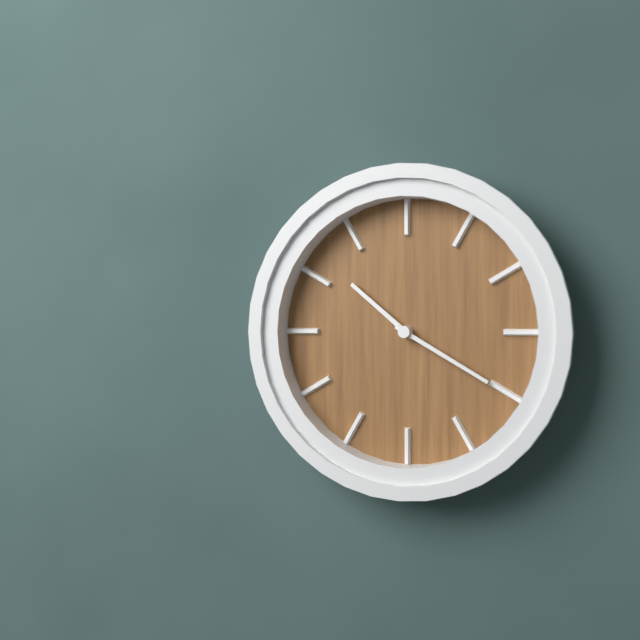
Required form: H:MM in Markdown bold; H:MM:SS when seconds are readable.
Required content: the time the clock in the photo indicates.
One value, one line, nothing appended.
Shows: **10:20**
